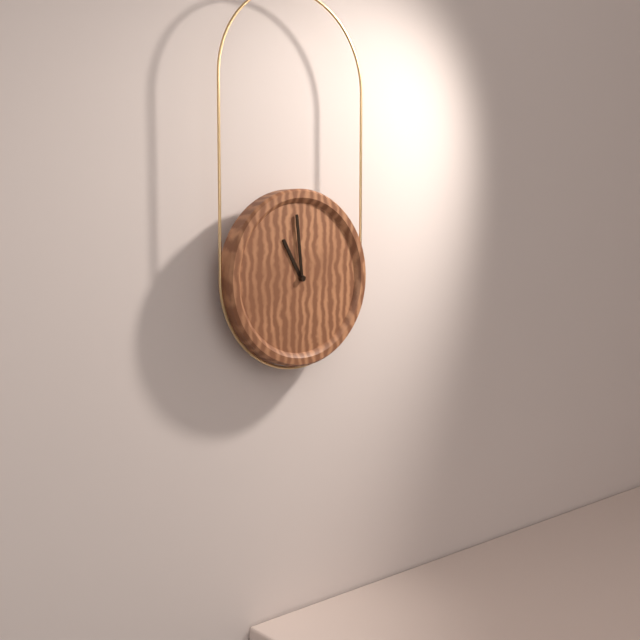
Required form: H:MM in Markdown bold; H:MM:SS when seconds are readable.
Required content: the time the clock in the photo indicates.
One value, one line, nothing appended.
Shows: **10:59**
